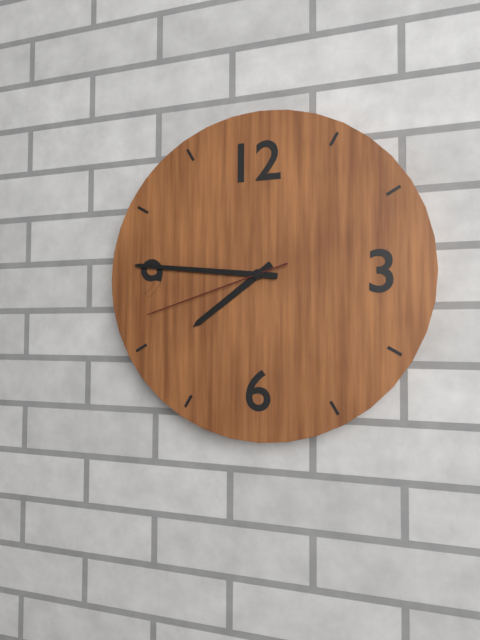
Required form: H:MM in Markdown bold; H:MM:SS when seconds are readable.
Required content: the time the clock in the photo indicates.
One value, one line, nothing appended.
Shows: **7:46:42**
